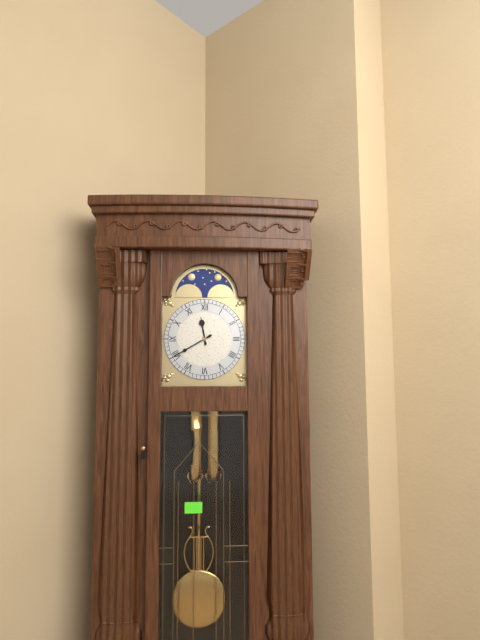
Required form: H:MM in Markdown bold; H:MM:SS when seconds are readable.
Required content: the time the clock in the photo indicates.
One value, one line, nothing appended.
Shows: **11:40**
